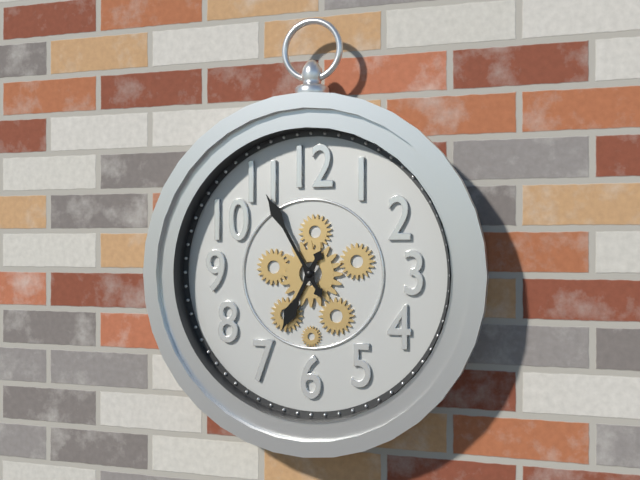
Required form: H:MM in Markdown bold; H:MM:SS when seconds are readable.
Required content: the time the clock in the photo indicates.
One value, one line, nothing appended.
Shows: **6:55**
